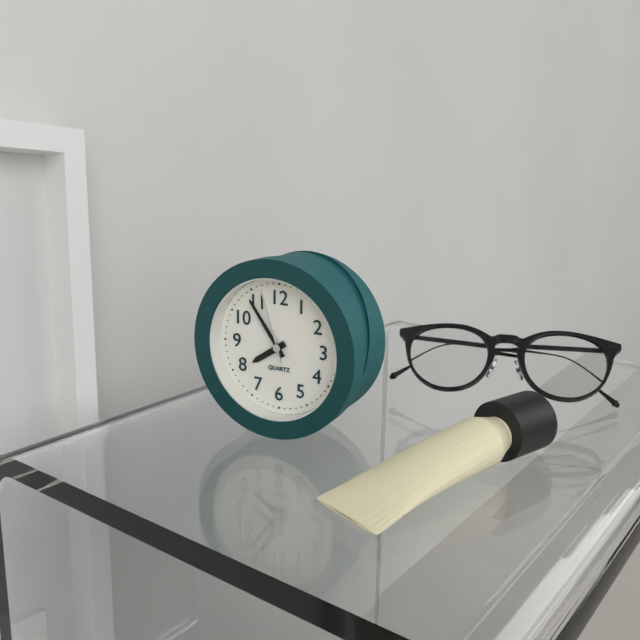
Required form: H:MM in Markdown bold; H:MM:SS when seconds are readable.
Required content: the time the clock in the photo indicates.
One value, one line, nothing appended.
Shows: **7:54:57**
